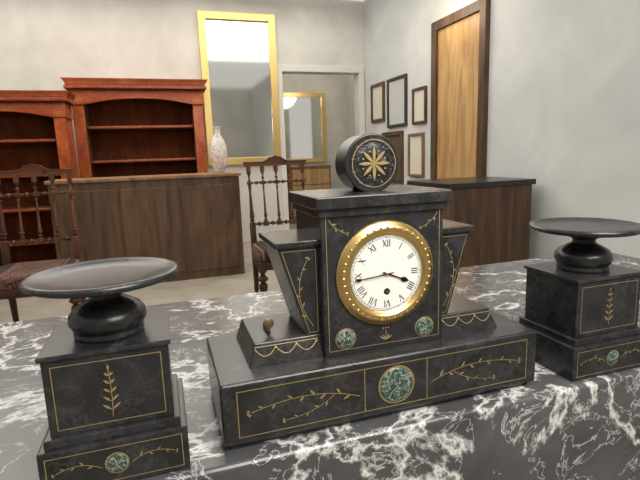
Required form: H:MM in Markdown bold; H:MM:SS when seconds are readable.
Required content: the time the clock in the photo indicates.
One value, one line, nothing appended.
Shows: **3:44**
